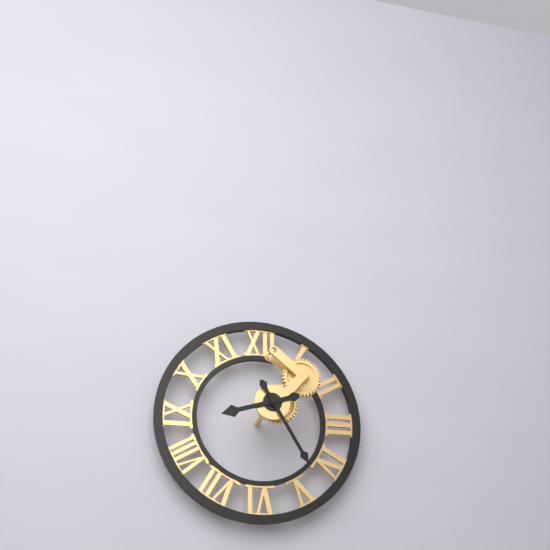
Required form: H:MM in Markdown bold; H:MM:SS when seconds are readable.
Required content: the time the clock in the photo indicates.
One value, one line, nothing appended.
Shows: **8:25**
